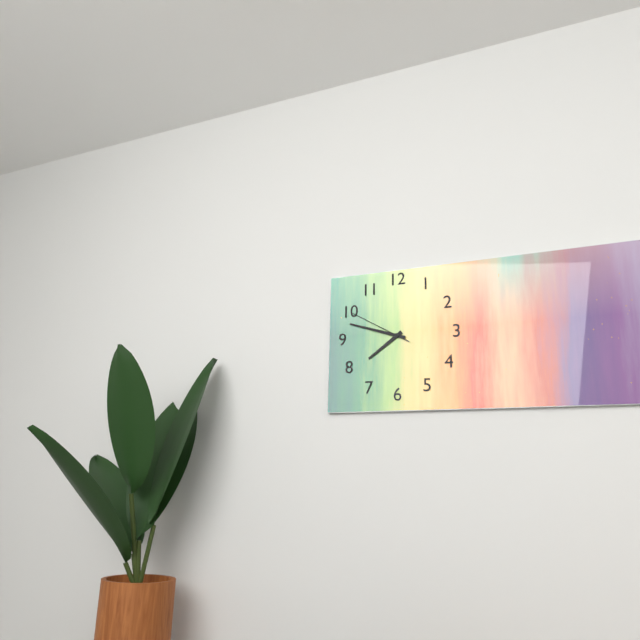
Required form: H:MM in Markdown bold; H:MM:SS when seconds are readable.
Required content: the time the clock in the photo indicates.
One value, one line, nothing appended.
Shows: **7:48:50**
